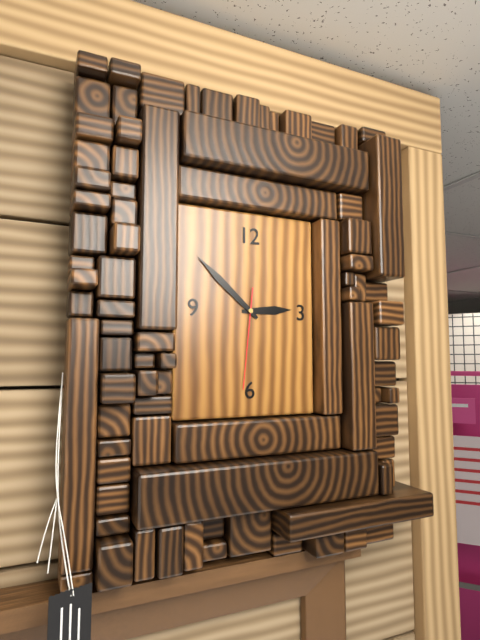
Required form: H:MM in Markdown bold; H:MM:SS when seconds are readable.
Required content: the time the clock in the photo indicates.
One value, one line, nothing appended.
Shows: **2:52:31**
